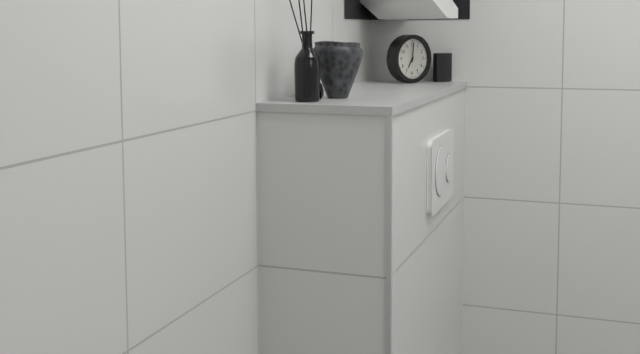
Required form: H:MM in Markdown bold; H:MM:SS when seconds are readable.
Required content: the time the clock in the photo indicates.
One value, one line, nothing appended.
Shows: **7:01**
